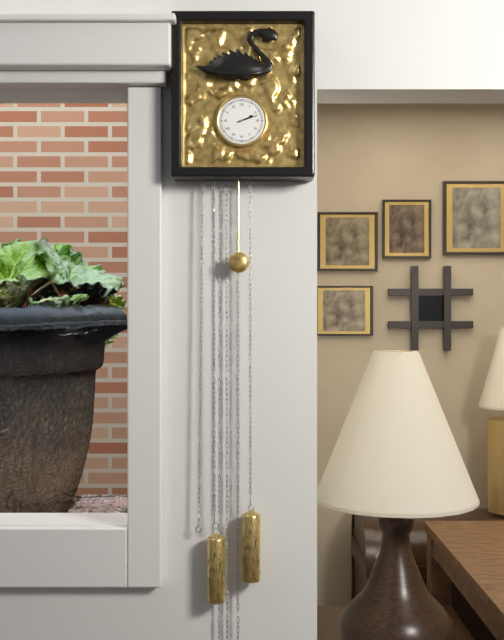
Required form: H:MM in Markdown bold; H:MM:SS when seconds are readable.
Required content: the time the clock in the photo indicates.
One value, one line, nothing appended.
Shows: **2:12**
